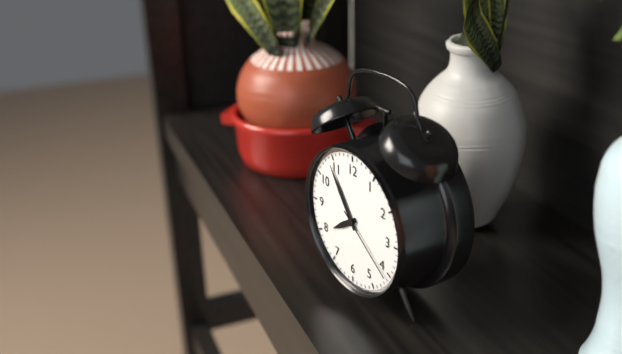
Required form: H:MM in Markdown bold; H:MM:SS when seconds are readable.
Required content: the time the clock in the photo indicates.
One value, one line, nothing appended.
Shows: **7:54:21**
